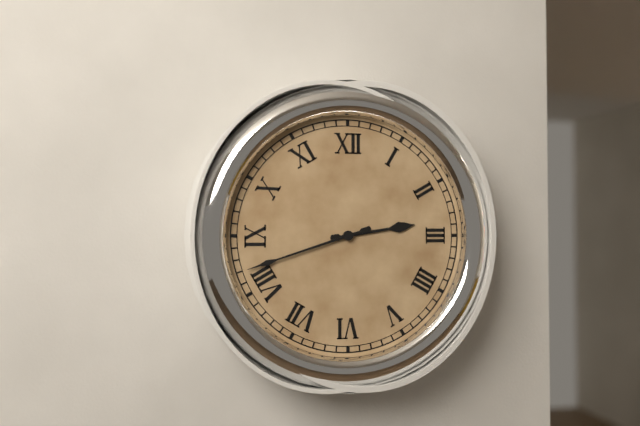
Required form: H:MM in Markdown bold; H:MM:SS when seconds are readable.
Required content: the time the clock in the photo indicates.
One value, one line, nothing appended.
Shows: **2:42**
